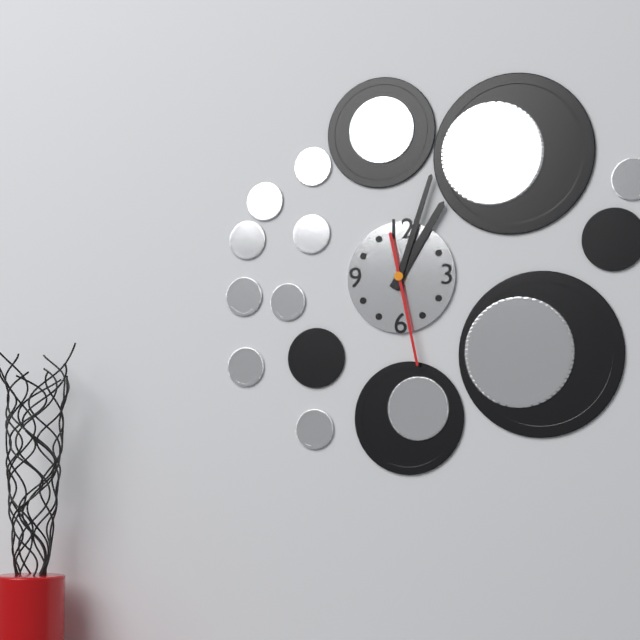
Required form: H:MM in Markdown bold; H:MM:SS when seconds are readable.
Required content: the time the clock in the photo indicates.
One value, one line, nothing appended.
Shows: **1:03:28**
